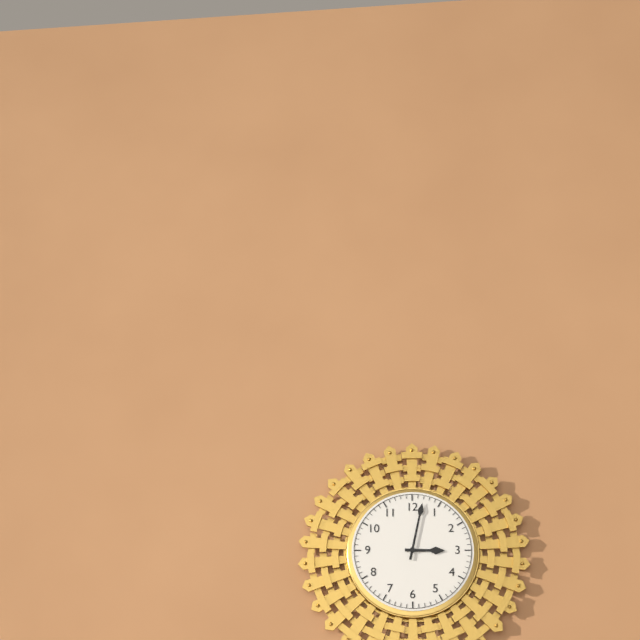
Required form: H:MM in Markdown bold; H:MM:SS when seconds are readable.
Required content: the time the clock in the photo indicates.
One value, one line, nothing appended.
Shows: **3:02**
